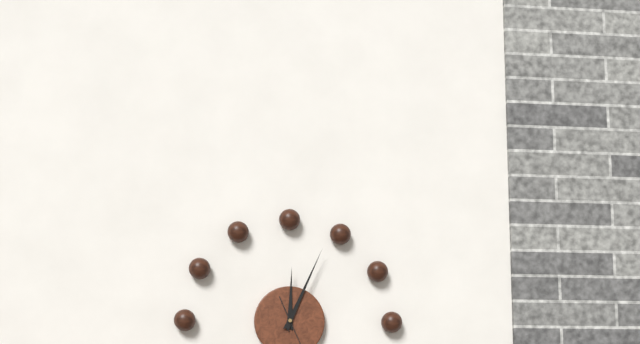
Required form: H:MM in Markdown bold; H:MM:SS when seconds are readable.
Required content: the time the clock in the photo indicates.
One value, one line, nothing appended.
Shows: **12:04**
